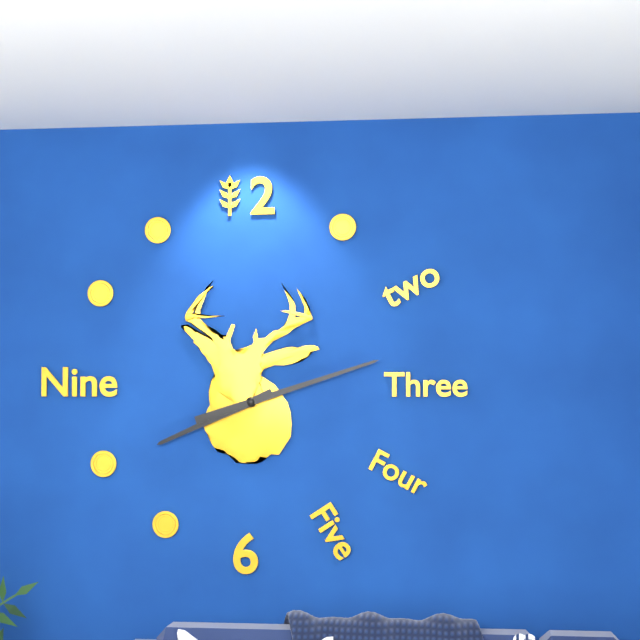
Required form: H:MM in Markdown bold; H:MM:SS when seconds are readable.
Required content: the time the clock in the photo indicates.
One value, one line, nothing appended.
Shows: **8:12**
